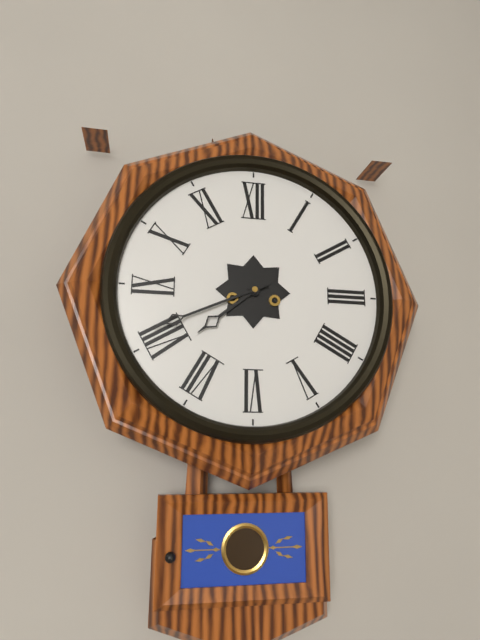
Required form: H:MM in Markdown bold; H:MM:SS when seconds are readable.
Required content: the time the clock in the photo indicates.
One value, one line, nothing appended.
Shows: **7:41**
